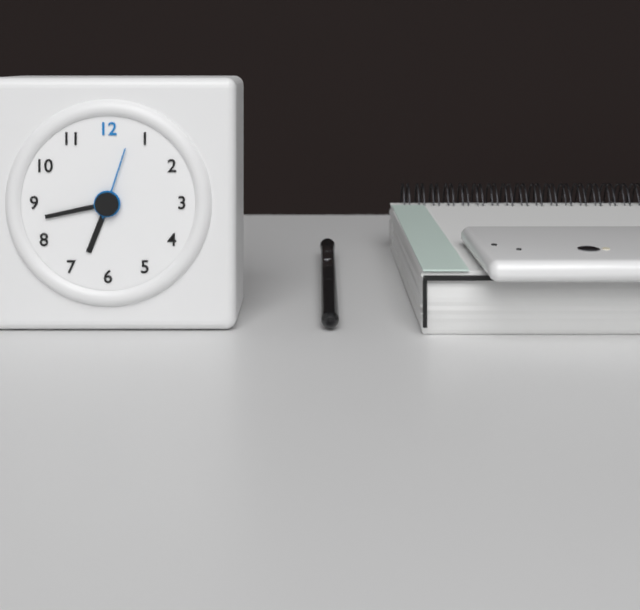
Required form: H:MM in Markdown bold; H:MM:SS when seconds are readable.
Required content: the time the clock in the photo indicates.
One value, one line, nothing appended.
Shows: **6:43:03**
